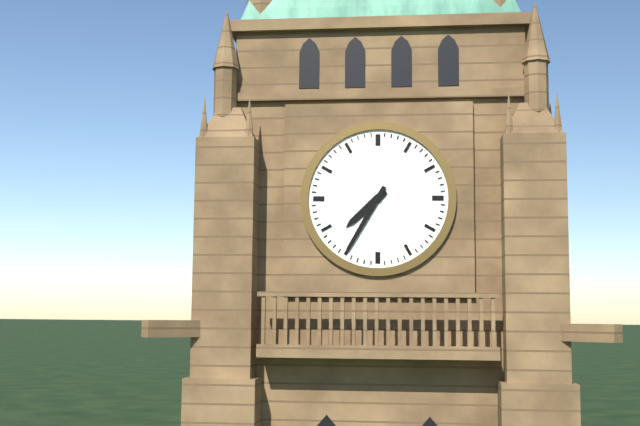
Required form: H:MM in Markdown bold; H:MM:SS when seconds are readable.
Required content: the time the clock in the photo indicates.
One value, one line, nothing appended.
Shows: **7:35**
